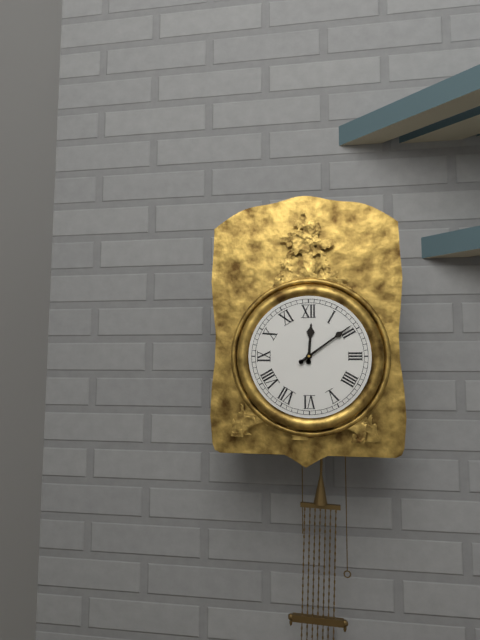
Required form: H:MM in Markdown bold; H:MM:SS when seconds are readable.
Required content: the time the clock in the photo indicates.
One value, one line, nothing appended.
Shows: **12:09**
